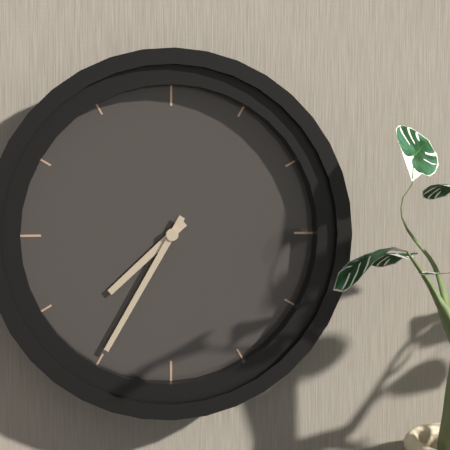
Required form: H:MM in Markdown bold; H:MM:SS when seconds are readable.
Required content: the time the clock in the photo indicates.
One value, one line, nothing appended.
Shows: **7:35**
